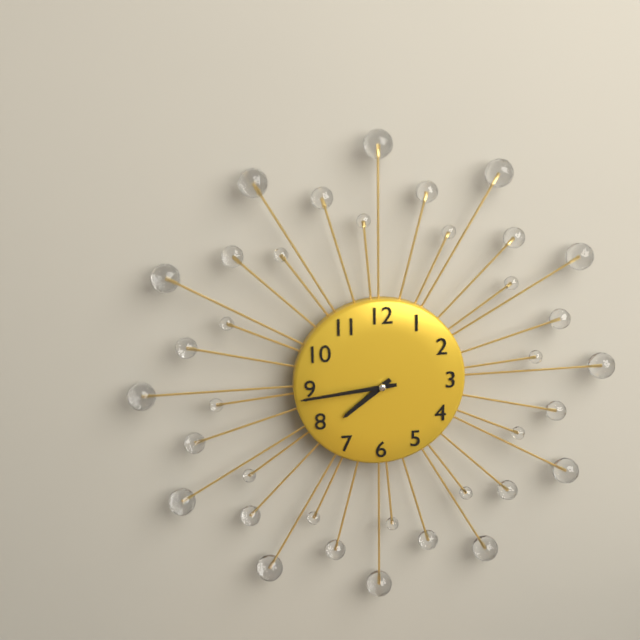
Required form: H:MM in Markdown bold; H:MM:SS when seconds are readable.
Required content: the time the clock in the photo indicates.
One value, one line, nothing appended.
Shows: **7:44**
